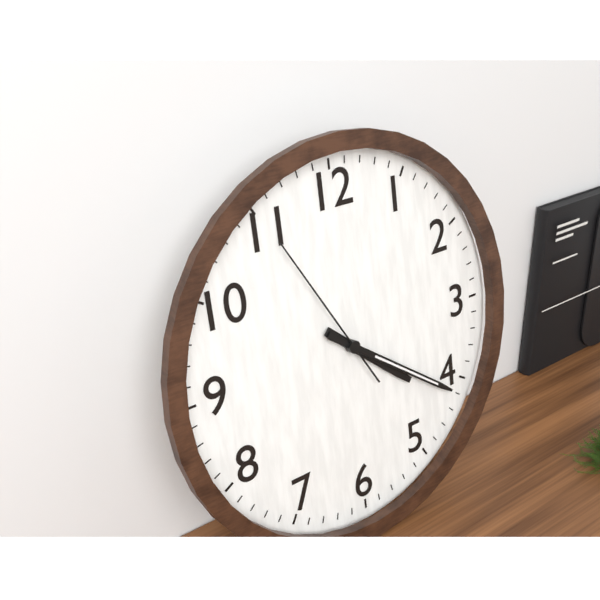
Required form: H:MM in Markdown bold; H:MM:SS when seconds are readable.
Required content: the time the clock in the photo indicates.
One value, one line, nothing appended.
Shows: **4:21:55**
